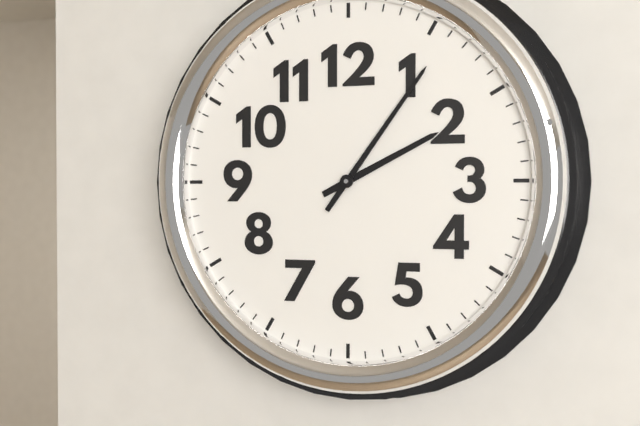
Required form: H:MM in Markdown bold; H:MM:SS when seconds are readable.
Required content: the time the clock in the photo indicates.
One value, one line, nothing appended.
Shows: **2:06**
